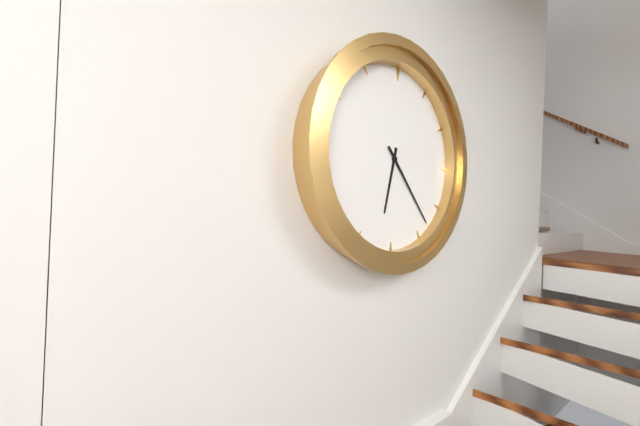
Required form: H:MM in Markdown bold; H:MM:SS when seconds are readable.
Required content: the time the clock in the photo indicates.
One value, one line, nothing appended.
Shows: **6:23**
